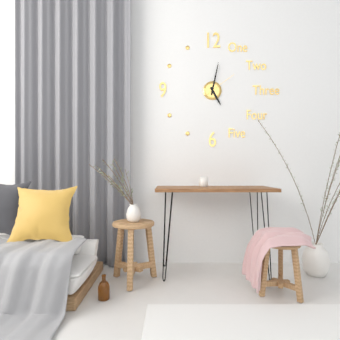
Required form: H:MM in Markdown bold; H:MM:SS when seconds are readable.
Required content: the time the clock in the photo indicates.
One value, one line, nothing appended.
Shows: **5:02**
